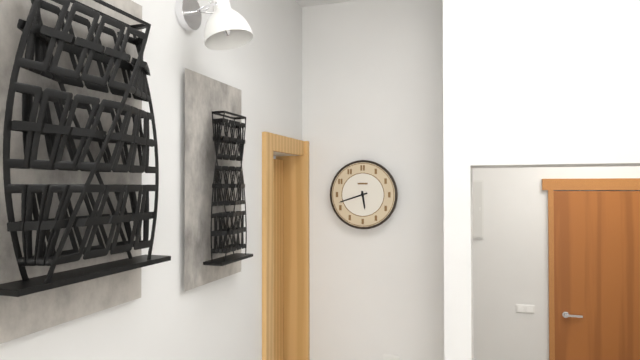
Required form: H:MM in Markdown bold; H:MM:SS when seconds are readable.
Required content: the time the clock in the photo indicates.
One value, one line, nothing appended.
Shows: **5:42**
